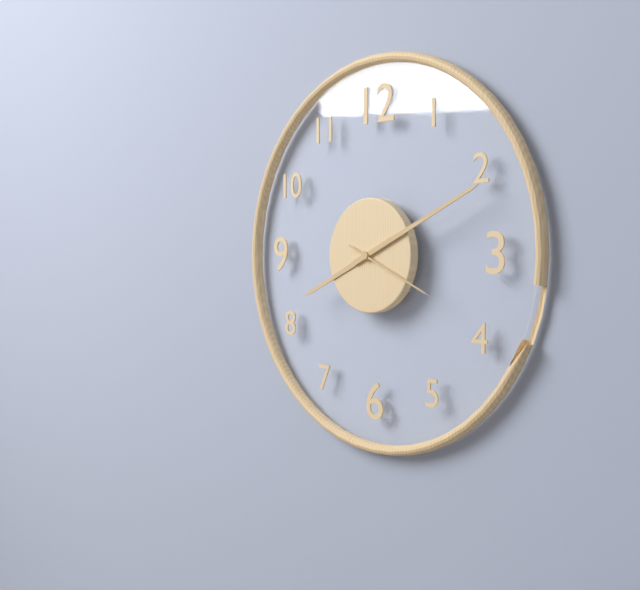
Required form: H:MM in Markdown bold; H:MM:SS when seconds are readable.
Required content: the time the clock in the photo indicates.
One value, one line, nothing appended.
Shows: **8:11:19**
